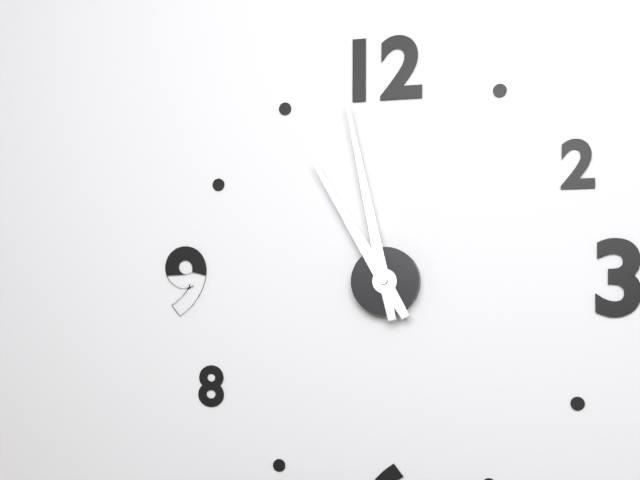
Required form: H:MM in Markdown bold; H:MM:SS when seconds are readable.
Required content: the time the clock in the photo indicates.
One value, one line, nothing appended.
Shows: **10:58**
